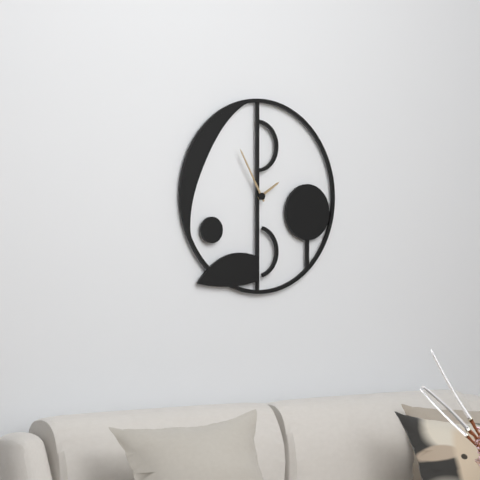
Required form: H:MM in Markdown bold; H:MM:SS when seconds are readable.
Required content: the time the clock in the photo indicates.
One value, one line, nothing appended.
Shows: **1:55**
